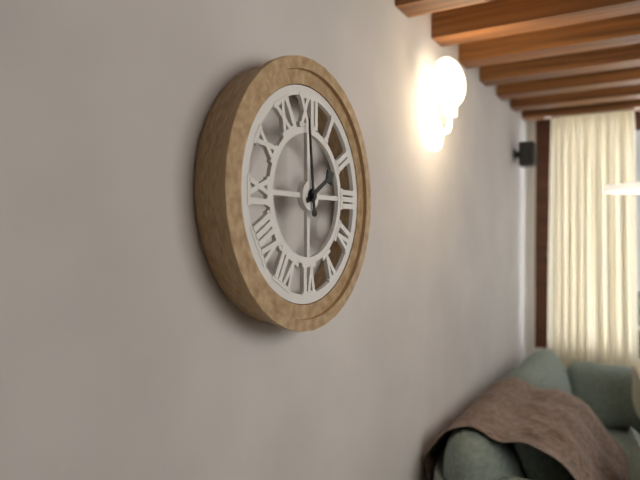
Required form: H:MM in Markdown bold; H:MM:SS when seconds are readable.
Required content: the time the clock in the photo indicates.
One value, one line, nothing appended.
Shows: **1:59**
